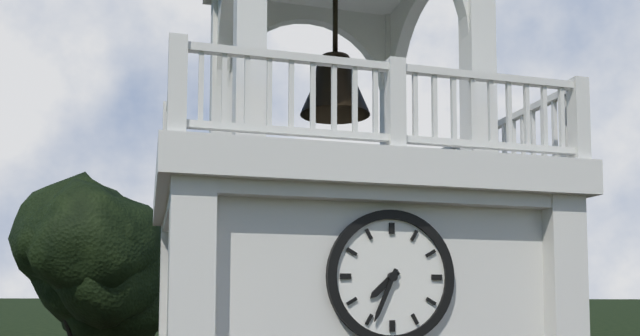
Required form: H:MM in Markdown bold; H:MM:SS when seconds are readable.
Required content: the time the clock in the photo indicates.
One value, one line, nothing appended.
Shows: **7:34**
